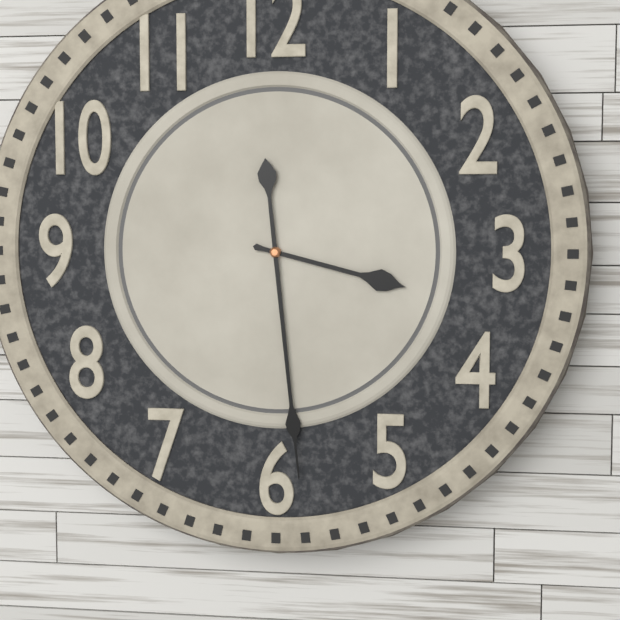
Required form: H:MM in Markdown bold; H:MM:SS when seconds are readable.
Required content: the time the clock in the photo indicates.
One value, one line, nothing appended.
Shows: **3:29**
